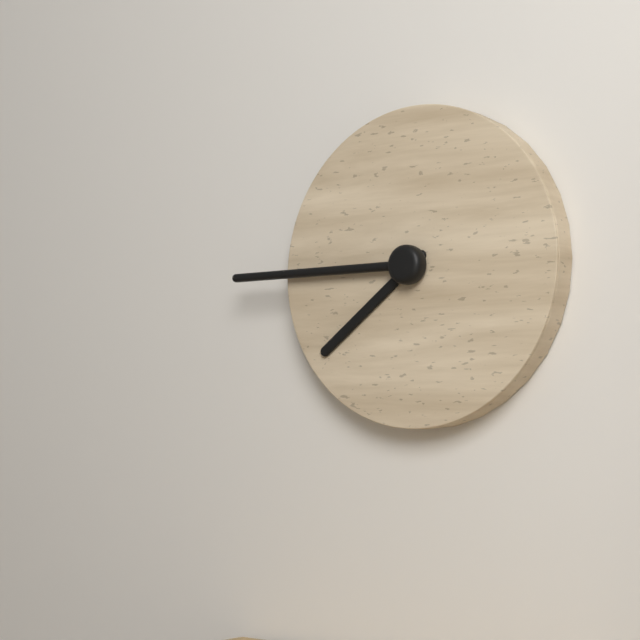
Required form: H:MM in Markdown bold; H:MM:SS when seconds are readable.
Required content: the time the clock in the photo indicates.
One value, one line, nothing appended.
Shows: **7:45**
